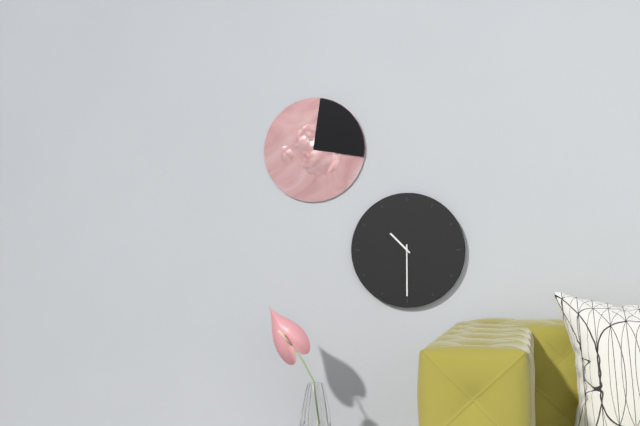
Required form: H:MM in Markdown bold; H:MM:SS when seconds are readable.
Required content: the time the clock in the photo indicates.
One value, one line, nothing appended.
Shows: **10:30**
